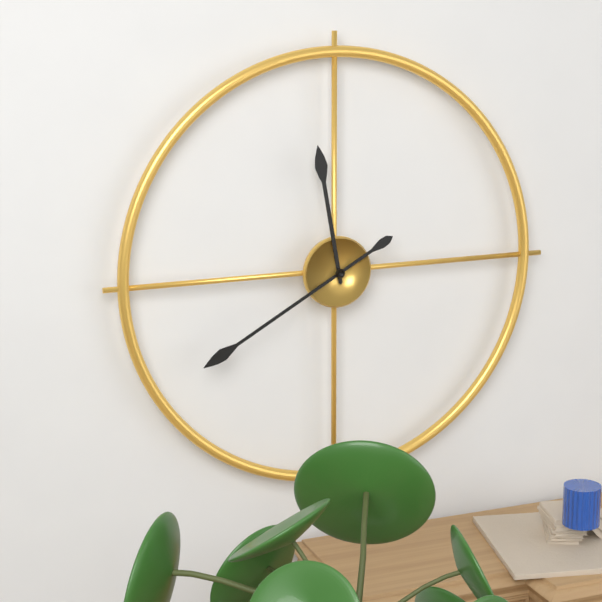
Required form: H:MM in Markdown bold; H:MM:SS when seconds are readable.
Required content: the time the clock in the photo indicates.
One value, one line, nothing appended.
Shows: **11:40**
